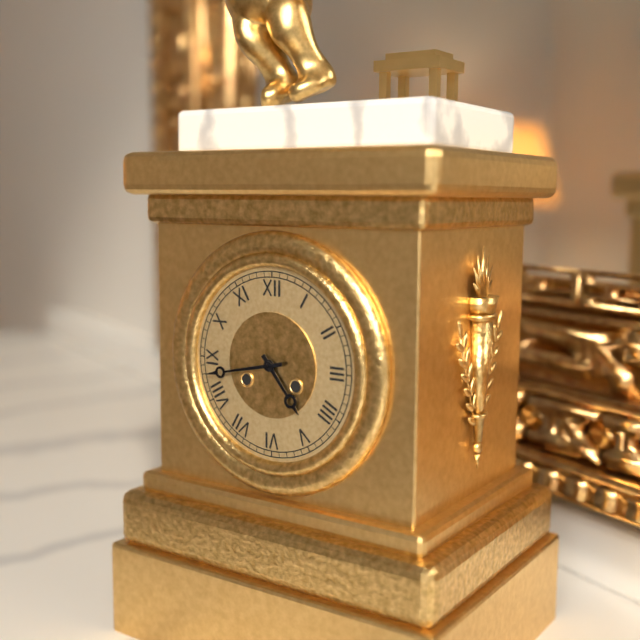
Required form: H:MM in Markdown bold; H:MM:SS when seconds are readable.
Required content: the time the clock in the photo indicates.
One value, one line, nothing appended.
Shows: **4:43**
